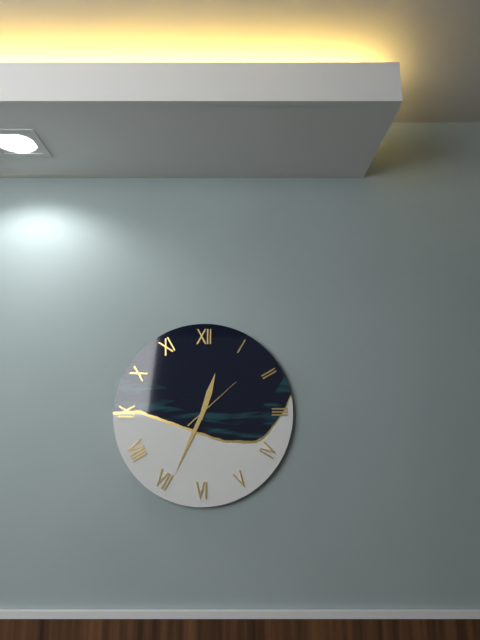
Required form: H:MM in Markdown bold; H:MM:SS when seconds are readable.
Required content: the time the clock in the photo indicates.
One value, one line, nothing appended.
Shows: **12:34:08**
